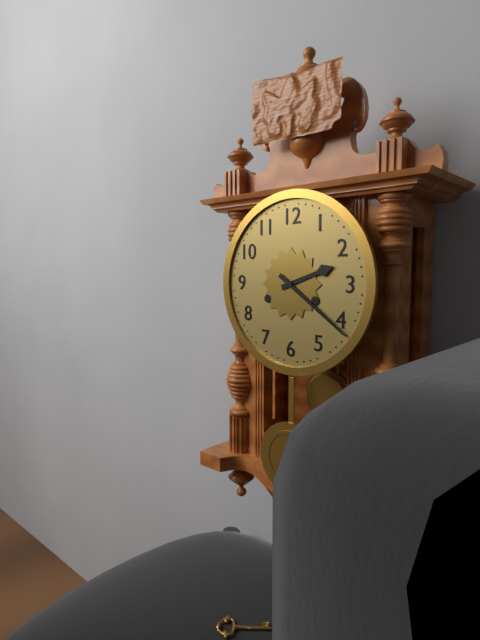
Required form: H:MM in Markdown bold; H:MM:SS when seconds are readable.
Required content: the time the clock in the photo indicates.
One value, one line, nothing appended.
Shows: **2:21**
